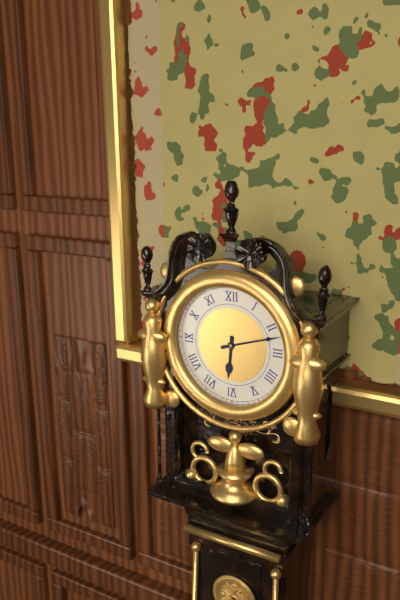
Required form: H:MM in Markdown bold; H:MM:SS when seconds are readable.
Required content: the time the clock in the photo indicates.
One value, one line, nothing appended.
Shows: **6:12**
